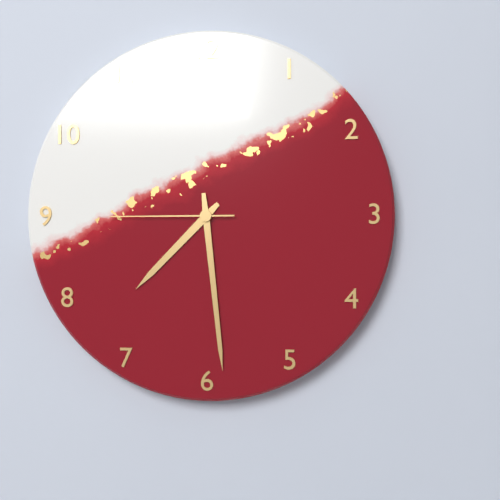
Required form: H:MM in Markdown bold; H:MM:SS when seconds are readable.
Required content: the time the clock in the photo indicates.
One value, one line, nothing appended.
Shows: **7:29:45**
